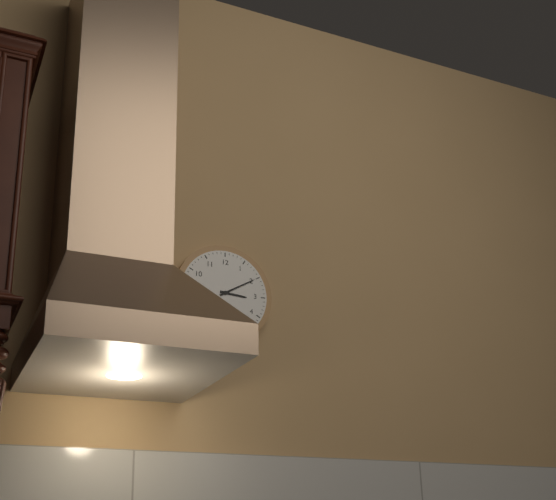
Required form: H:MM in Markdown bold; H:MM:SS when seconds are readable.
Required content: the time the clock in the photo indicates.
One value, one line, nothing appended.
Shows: **3:10**
